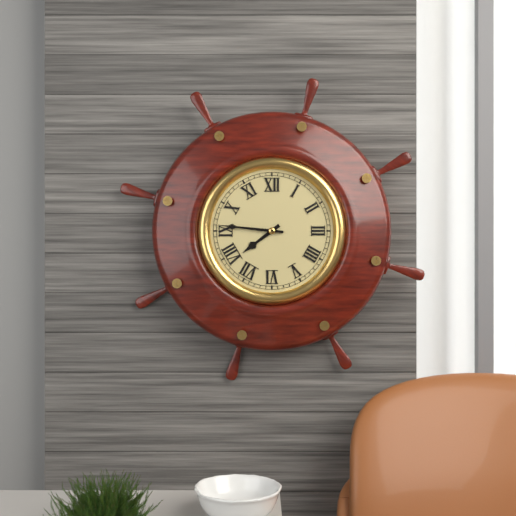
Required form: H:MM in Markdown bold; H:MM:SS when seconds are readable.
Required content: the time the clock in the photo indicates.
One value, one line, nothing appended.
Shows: **7:46**
